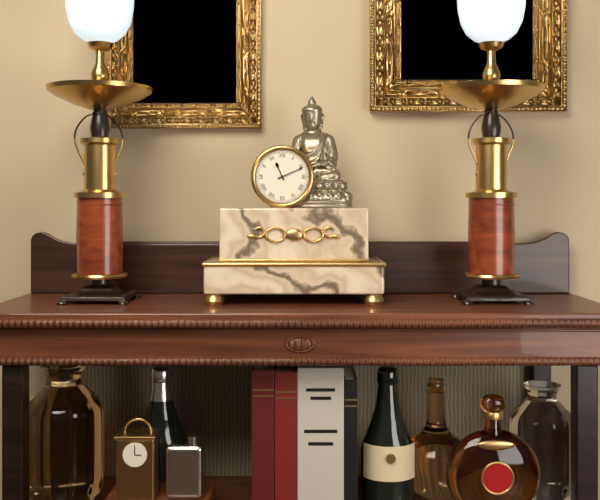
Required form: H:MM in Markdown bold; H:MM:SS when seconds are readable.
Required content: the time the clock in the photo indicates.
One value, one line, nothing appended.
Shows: **11:11**
